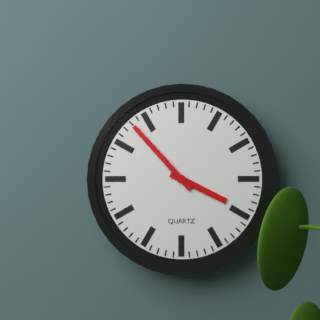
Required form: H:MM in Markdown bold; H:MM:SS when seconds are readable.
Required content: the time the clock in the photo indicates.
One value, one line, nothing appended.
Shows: **3:53**
